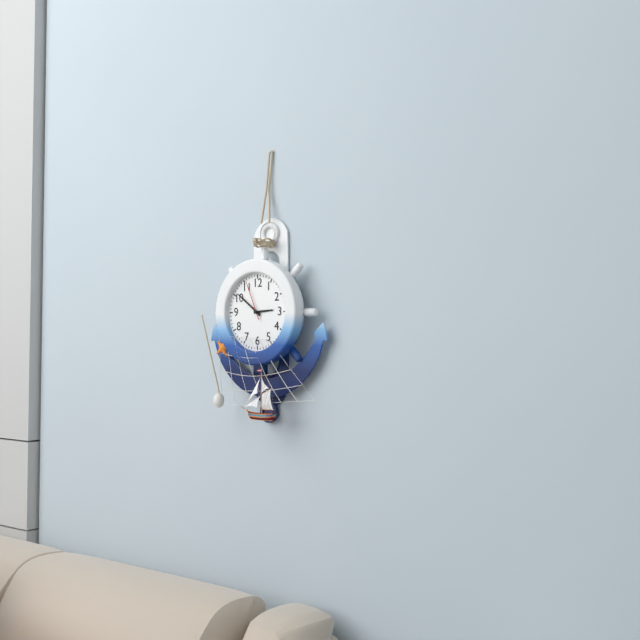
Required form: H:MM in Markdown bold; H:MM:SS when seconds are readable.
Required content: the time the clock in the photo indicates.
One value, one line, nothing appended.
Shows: **2:51:56**
